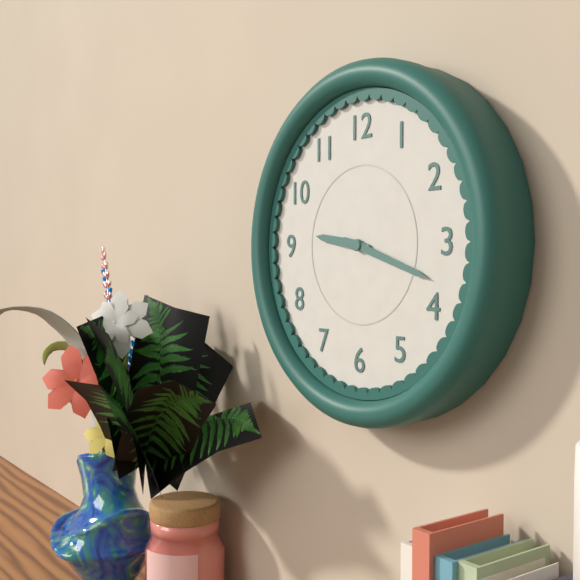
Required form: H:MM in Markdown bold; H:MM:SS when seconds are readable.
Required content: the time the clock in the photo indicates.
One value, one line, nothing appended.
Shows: **9:18**
